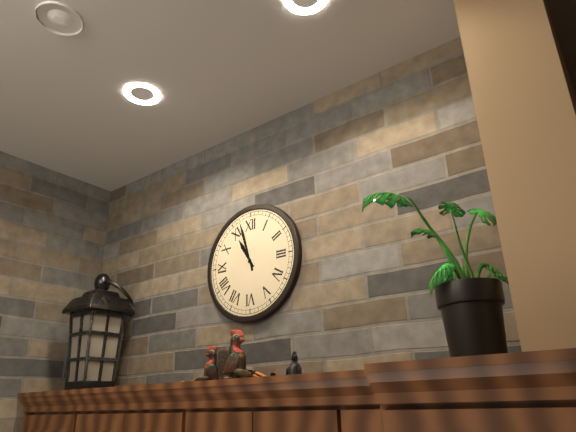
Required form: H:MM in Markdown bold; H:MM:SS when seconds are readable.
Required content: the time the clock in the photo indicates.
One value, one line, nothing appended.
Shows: **10:57**
